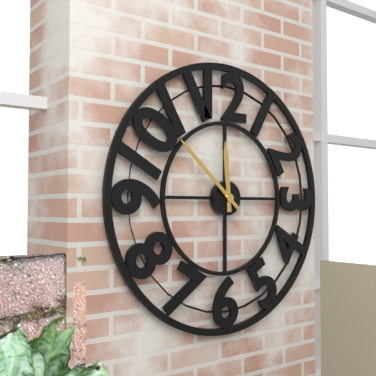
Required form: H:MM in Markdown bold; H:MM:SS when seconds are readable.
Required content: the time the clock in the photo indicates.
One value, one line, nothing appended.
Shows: **11:52**
